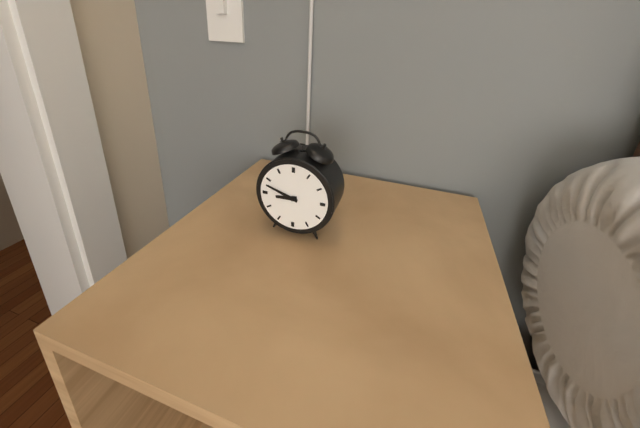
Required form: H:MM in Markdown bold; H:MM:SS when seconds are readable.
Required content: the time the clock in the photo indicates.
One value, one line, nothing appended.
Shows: **8:48**
